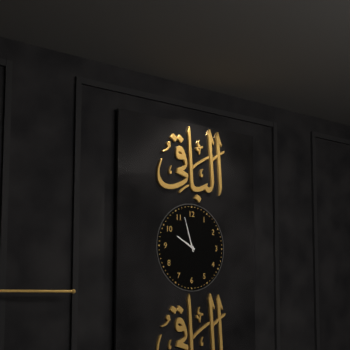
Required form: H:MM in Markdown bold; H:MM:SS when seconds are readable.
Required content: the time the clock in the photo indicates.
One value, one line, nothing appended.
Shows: **9:57**
